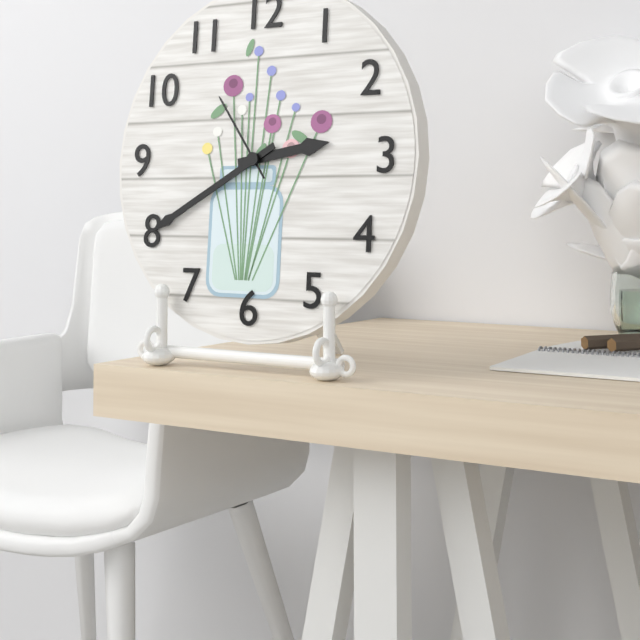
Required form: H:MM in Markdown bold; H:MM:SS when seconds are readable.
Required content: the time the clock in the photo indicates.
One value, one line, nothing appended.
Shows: **2:40:54**
